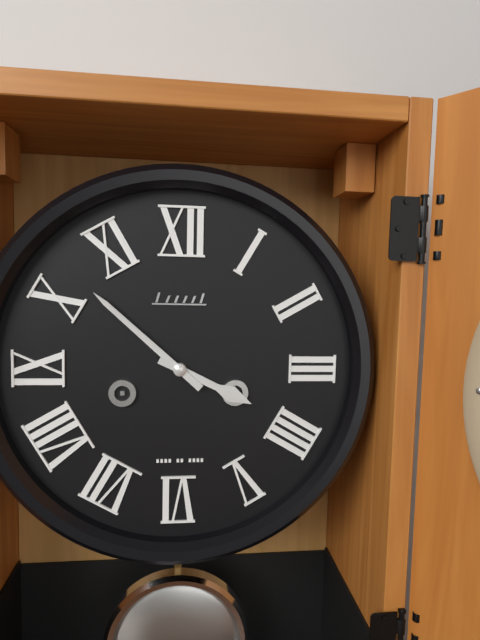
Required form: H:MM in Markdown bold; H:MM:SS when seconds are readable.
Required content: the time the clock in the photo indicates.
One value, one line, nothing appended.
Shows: **3:52**
